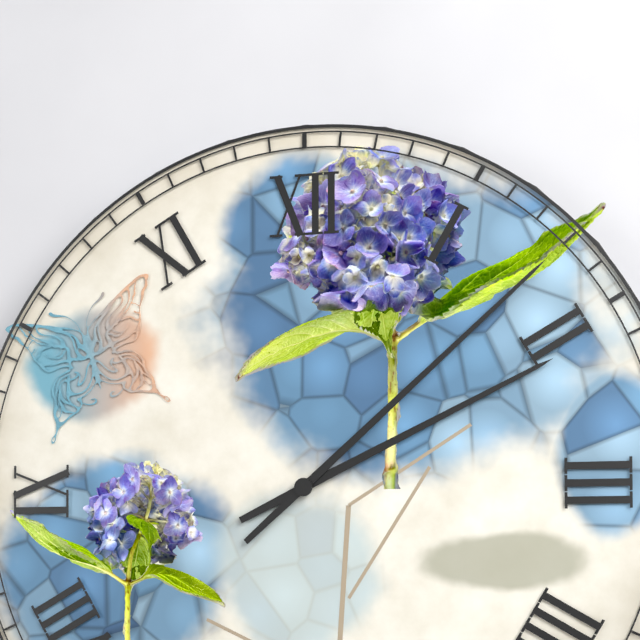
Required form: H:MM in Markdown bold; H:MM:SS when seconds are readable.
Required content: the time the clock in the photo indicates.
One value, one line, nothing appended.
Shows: **2:08**
